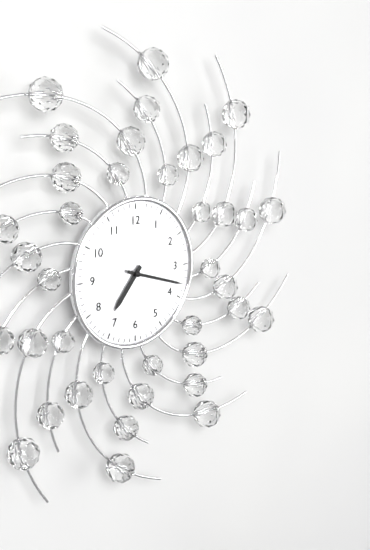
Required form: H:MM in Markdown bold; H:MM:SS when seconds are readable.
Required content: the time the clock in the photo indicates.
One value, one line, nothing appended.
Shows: **7:18**
